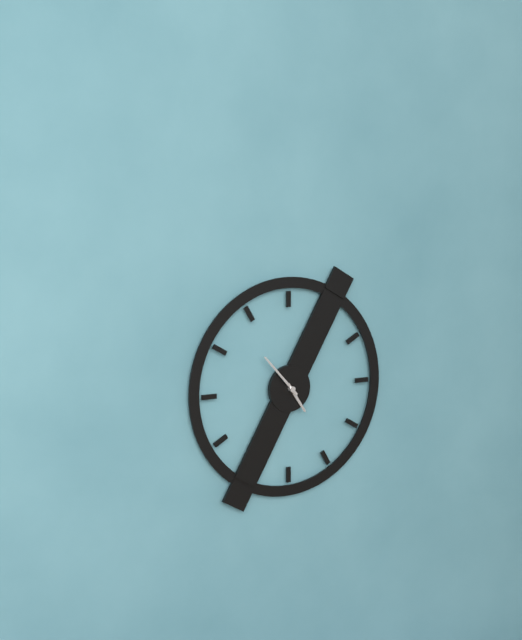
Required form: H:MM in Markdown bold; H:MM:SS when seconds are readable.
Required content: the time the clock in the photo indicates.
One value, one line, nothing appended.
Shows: **4:53**
